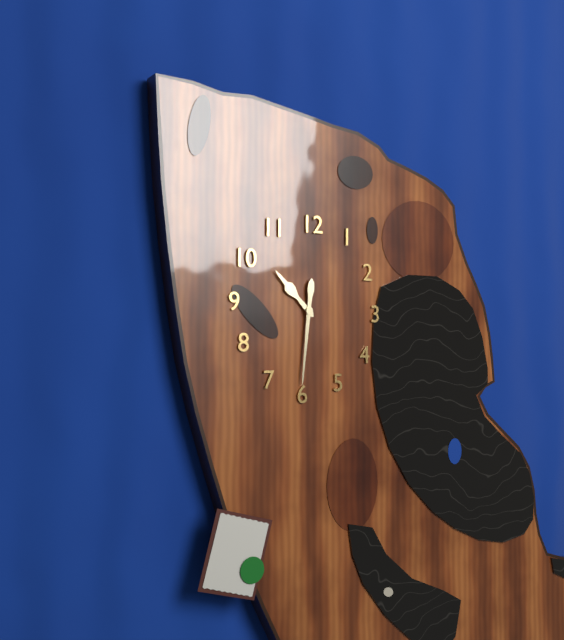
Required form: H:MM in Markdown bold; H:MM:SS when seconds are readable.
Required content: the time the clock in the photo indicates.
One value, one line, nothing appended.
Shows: **10:31**
